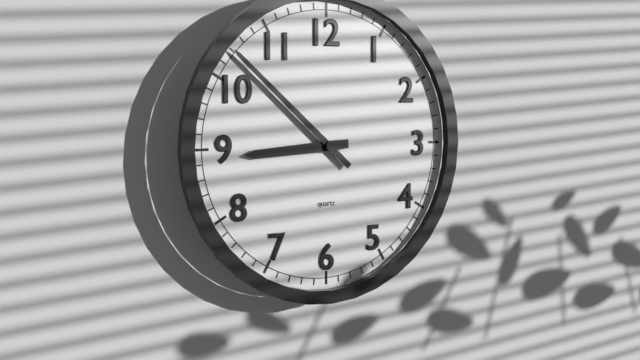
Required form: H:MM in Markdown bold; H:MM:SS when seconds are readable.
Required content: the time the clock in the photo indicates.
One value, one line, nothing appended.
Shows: **8:52**
